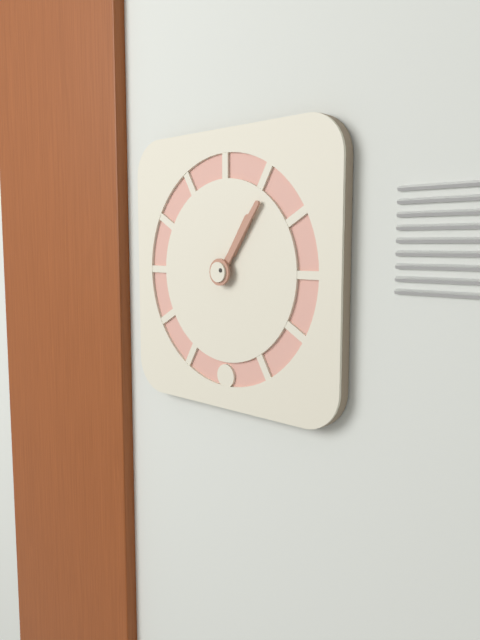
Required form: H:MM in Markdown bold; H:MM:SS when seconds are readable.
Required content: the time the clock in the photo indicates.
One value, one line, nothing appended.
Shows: **1:06**
